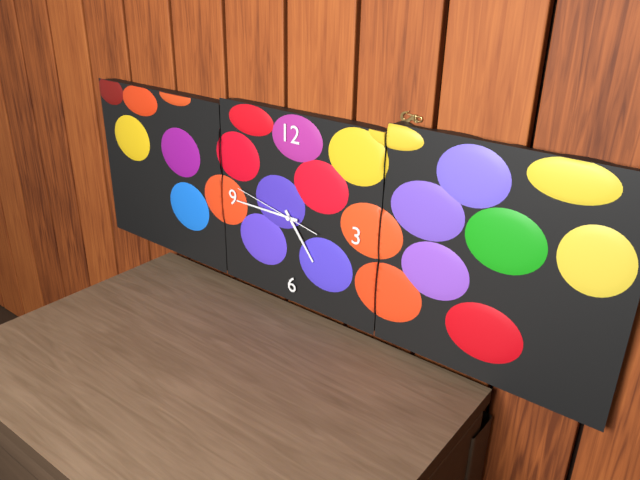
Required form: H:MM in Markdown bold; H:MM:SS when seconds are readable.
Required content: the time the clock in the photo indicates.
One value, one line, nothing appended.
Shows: **4:45:47**
